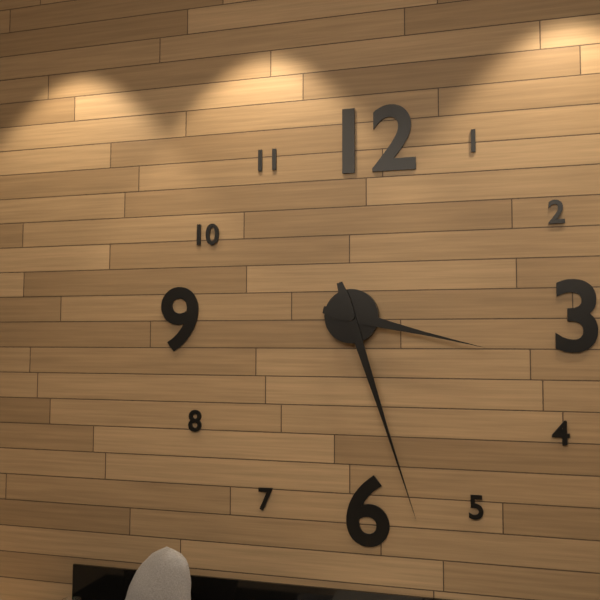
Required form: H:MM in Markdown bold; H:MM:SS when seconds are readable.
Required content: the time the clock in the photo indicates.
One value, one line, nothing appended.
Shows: **3:27**
